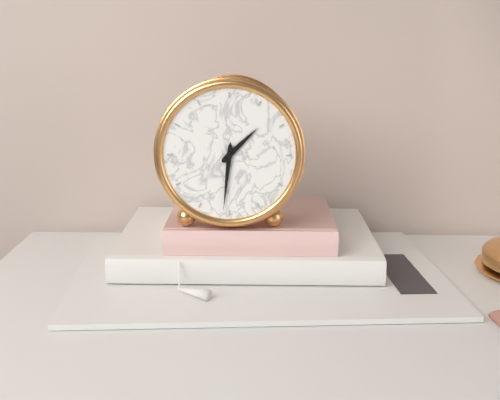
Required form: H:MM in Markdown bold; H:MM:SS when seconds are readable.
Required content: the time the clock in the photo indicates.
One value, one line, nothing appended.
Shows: **1:31**
